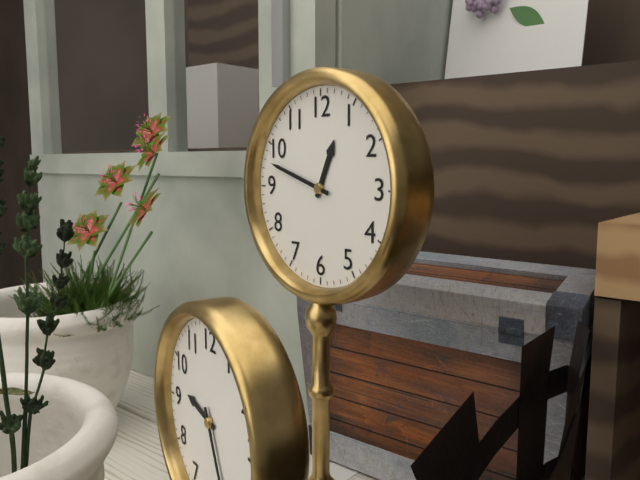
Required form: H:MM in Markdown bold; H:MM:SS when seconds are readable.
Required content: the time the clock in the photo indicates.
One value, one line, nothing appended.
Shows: **12:48**
